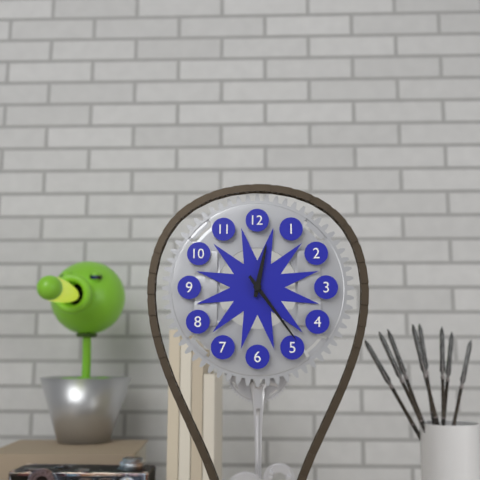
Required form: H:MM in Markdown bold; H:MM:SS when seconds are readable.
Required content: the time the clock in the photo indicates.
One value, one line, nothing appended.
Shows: **12:24**
